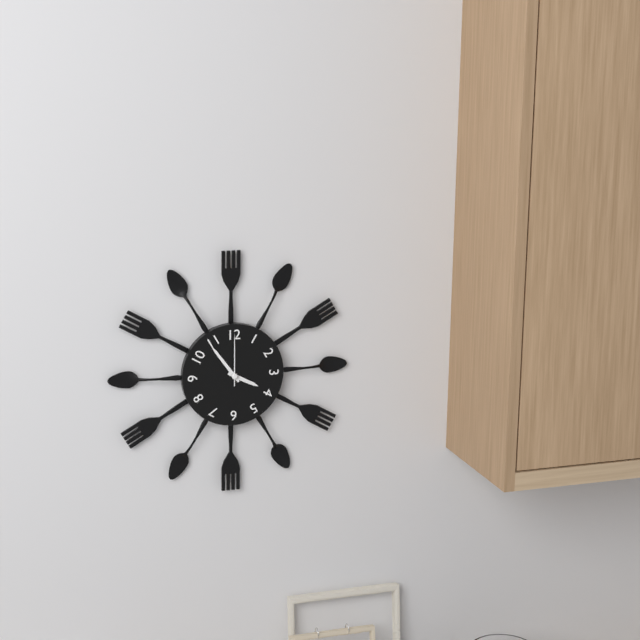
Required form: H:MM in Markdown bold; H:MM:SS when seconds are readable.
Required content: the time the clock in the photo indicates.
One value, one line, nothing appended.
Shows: **3:54:00**
